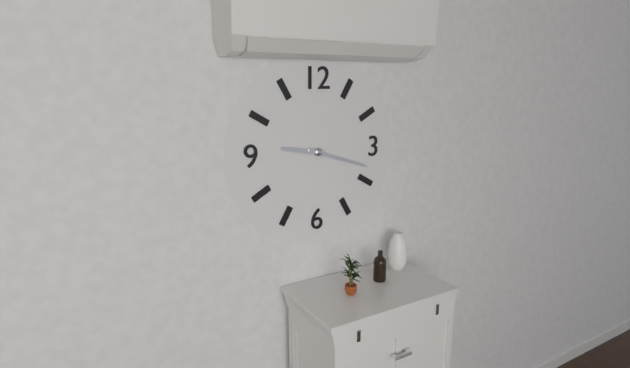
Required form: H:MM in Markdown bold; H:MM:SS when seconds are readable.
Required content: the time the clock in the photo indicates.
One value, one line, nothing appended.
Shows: **9:18**
